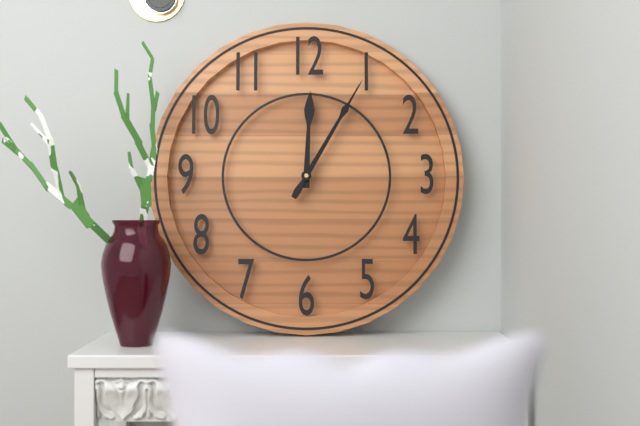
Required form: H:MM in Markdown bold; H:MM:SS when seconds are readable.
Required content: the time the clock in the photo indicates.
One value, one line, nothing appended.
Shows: **12:05**
